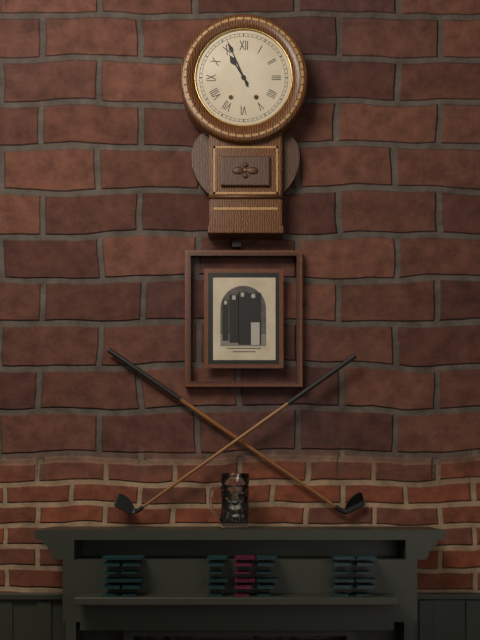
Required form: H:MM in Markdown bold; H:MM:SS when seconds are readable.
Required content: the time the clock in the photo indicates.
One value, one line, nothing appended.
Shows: **10:56**
